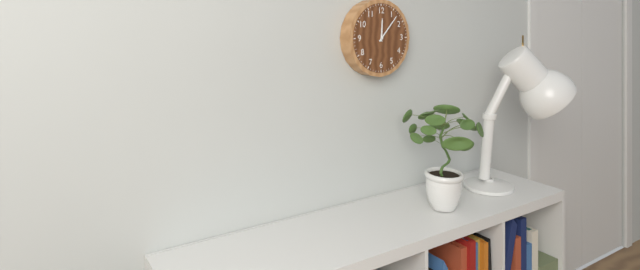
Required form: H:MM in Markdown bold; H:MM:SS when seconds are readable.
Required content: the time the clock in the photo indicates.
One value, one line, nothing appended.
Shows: **12:07**
